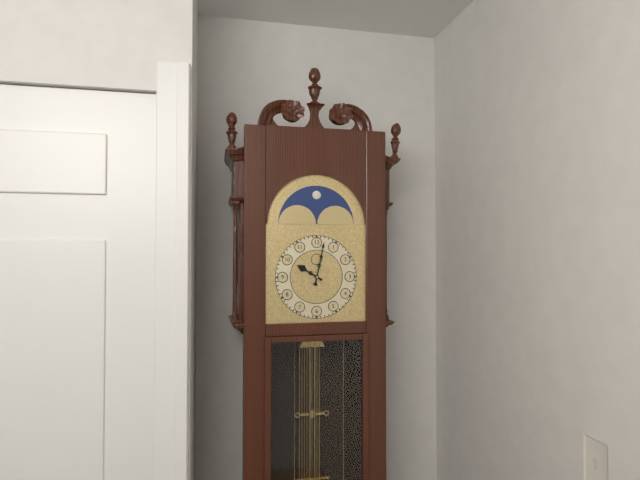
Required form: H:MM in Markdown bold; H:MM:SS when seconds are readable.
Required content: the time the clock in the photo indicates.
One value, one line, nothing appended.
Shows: **10:02**
